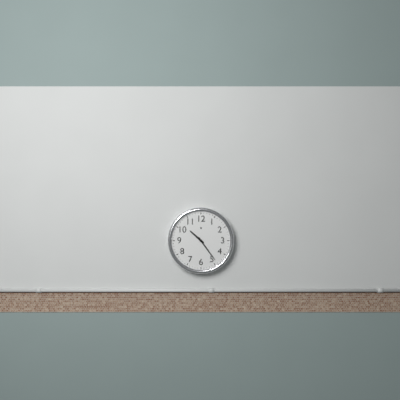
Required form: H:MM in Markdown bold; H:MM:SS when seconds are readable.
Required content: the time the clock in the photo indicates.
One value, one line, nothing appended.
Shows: **10:24**
